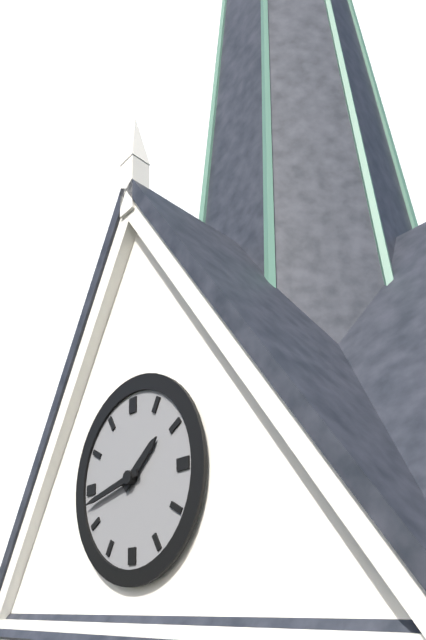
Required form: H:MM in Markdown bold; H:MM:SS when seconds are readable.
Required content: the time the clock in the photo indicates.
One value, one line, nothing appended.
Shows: **1:43**
